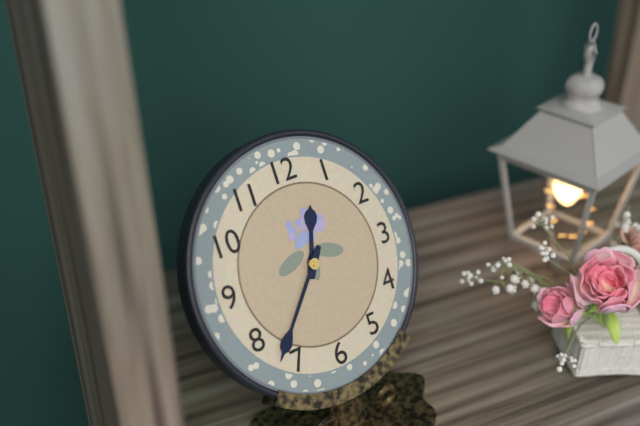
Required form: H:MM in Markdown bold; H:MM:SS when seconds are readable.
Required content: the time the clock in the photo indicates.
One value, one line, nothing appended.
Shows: **12:37**
